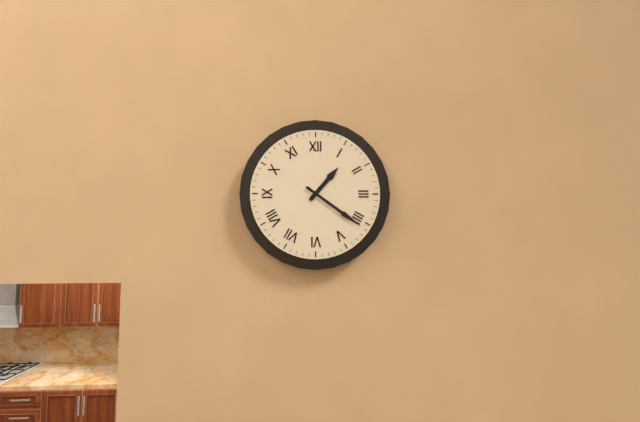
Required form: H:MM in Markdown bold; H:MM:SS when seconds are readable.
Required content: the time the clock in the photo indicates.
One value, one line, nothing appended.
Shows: **1:21**
